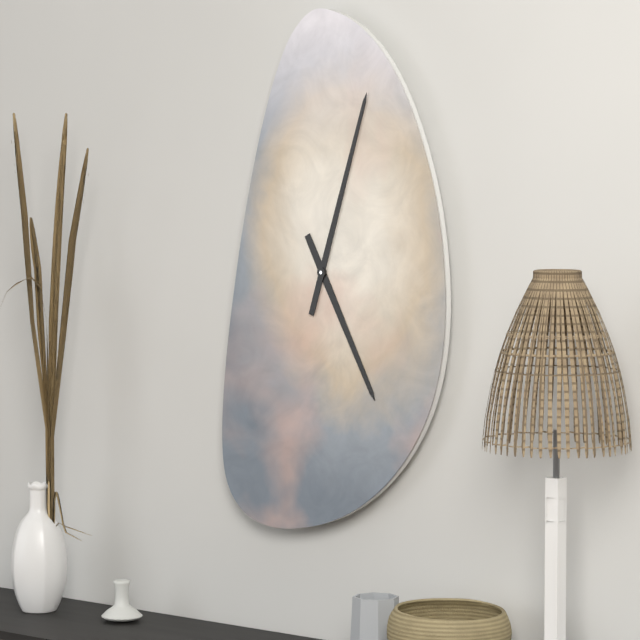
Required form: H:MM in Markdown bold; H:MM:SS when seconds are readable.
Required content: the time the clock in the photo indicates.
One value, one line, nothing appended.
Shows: **5:03**
